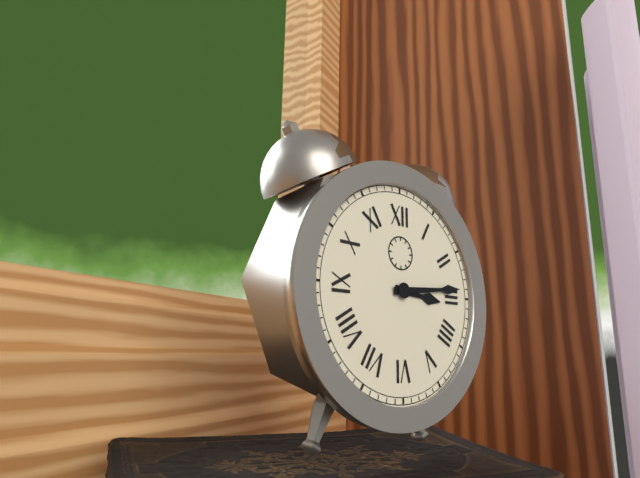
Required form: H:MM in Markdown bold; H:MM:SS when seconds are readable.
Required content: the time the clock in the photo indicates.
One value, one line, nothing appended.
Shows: **3:14**
